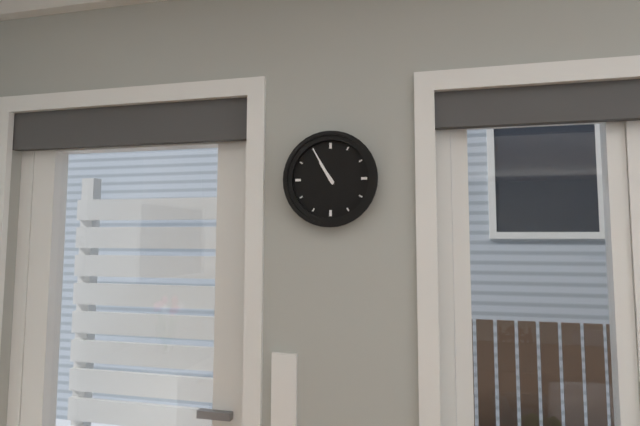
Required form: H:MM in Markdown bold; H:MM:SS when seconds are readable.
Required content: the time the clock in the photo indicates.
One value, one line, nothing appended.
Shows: **10:55**
